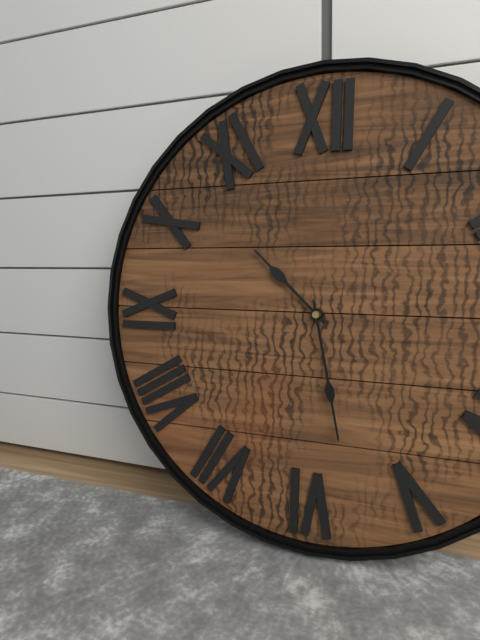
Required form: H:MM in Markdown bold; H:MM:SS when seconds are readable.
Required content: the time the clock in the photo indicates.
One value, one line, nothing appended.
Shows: **10:28**
